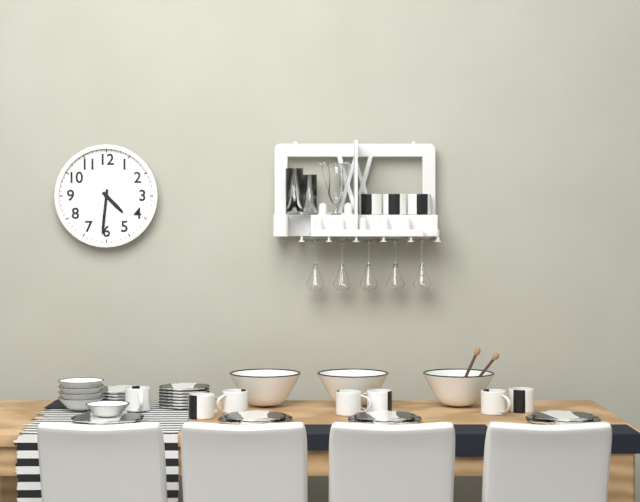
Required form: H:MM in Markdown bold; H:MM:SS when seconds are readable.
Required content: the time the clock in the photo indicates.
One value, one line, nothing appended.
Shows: **4:31**
